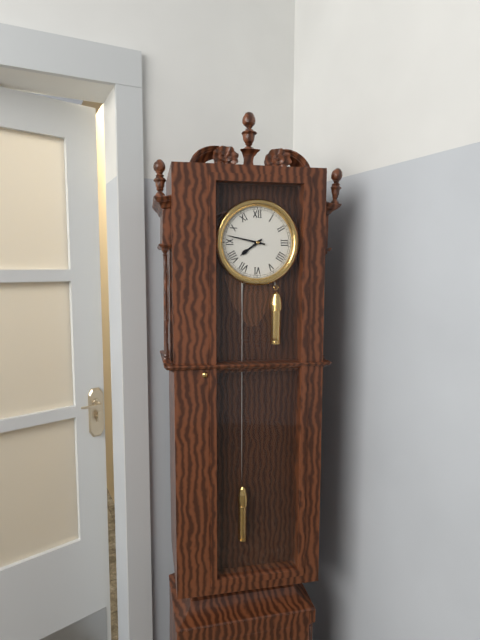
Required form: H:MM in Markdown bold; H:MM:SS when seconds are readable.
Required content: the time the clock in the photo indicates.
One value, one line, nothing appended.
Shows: **7:47**
